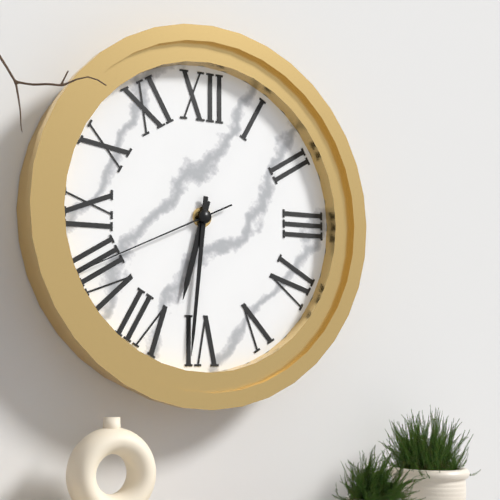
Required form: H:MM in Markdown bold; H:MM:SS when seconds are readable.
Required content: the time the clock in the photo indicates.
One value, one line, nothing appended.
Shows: **6:31:41**
